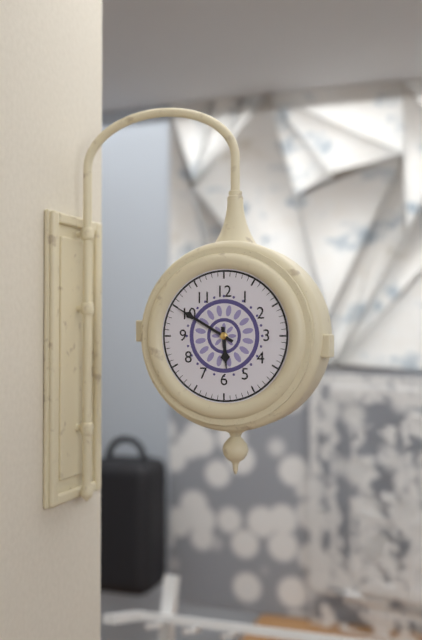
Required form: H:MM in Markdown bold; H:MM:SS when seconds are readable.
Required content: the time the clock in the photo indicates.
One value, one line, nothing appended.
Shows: **5:50**
